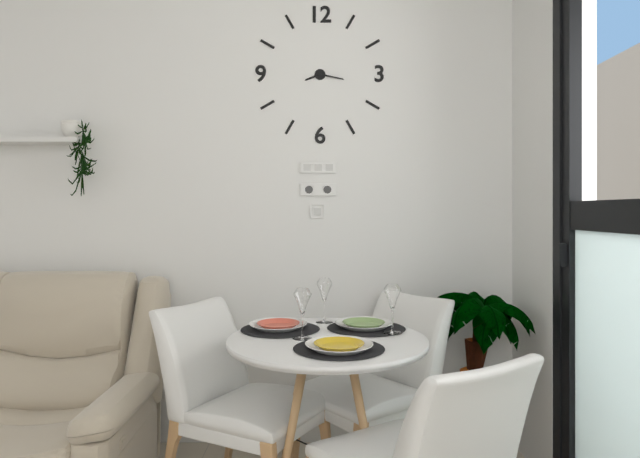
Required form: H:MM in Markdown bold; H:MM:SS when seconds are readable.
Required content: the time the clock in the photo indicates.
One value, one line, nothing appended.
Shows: **8:17**
